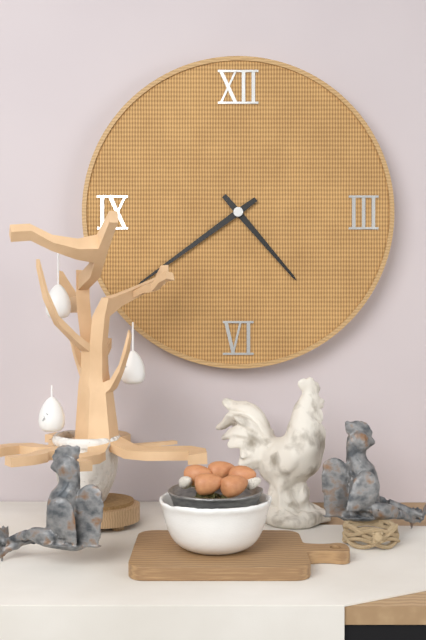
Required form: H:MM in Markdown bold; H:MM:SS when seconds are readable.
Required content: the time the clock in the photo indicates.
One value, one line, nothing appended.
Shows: **4:39**
